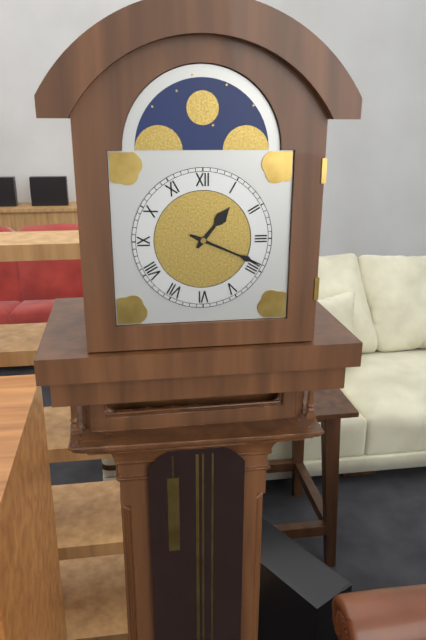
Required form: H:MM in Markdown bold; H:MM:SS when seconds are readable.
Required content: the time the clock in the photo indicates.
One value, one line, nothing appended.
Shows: **1:19**
